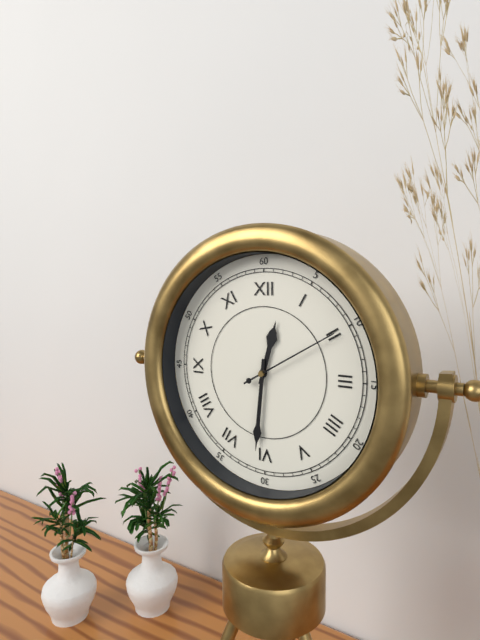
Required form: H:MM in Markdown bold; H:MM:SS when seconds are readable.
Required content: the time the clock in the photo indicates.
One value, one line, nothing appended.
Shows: **12:31:10**
